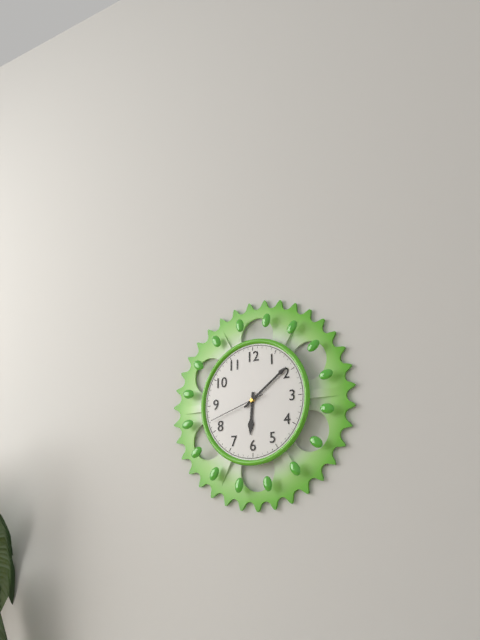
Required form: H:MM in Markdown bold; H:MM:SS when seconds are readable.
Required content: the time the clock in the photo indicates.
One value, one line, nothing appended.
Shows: **6:09:42**
